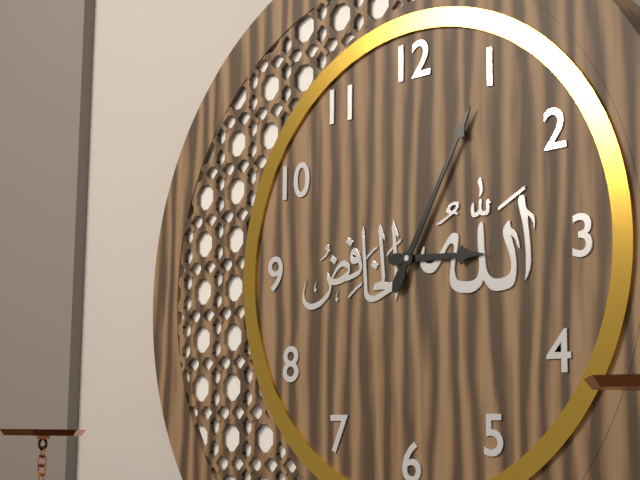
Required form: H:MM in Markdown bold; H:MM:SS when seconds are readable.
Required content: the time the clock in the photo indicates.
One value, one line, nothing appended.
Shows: **3:05**
